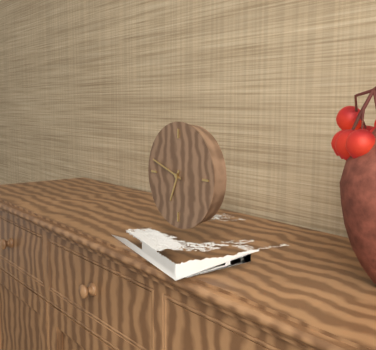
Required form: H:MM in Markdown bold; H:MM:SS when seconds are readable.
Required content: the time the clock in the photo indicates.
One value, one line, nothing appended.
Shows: **6:48**
